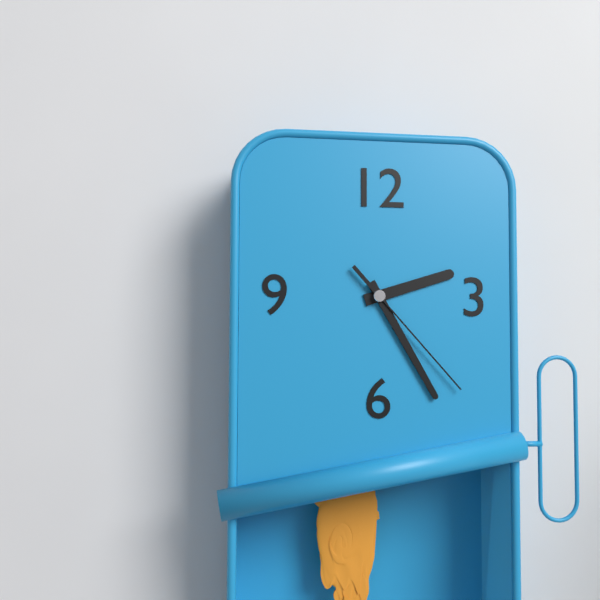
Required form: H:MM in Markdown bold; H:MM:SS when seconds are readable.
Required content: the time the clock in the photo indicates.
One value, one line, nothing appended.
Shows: **2:25:23**
